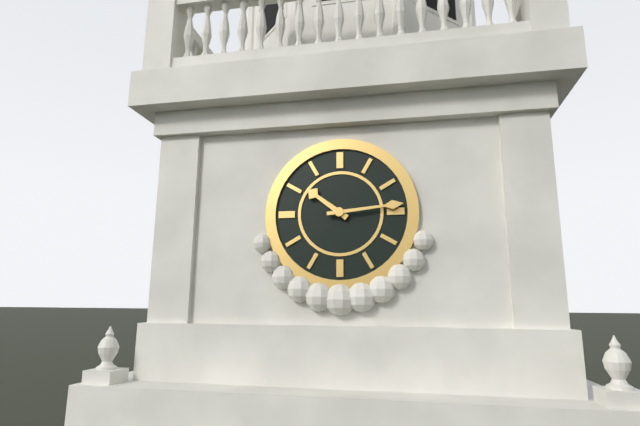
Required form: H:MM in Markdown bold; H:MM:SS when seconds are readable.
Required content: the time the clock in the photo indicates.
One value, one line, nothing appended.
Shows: **10:14**
